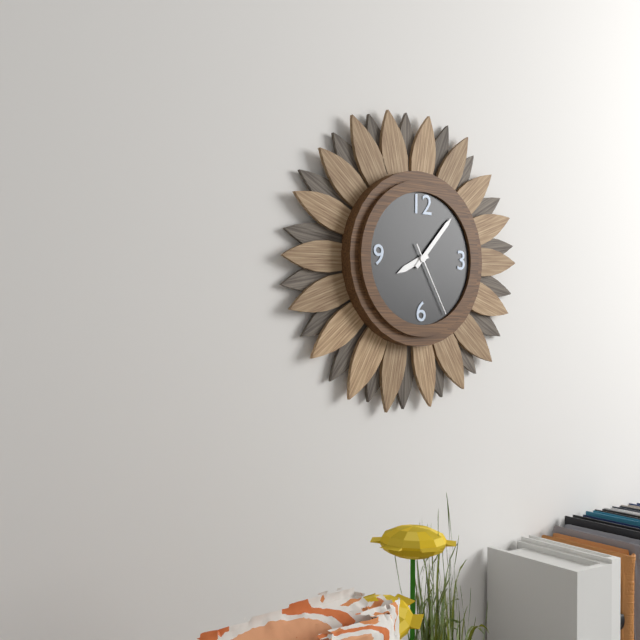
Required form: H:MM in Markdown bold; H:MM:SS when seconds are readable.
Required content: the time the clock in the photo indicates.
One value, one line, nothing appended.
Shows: **8:07:25**
